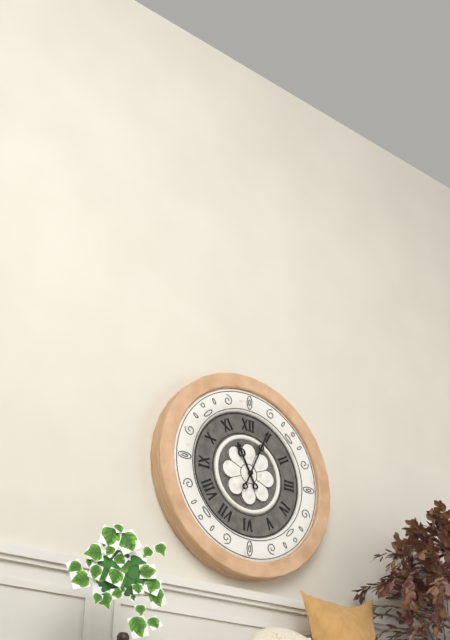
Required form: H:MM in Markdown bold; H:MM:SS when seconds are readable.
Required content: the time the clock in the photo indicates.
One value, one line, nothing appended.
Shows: **11:04**
